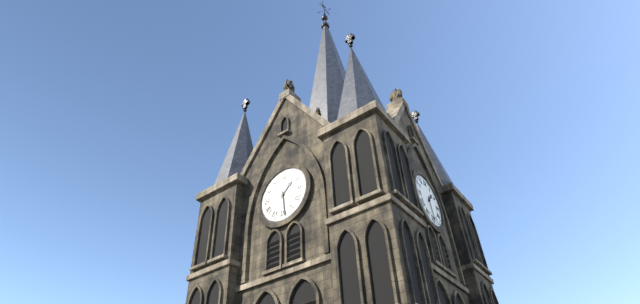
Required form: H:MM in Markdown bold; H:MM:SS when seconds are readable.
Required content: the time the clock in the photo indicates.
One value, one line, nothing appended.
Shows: **1:29**
